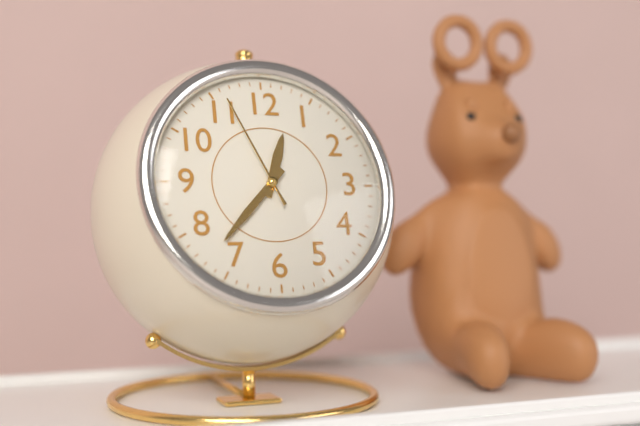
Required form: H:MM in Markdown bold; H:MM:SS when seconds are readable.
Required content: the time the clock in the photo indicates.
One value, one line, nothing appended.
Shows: **12:37:56**
